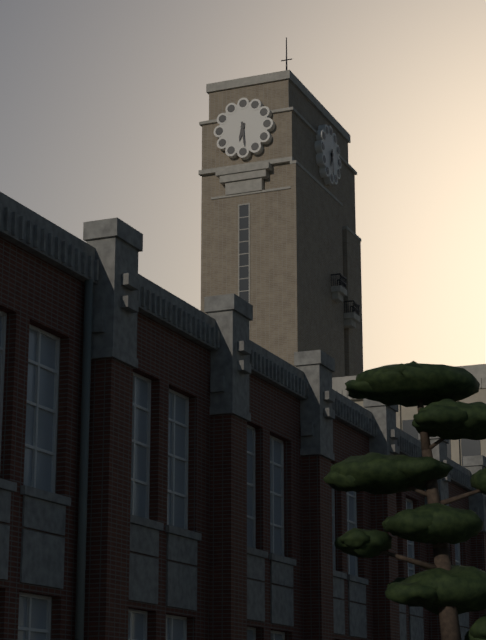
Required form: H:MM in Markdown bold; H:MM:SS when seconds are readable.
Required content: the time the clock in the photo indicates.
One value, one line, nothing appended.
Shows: **6:29**
